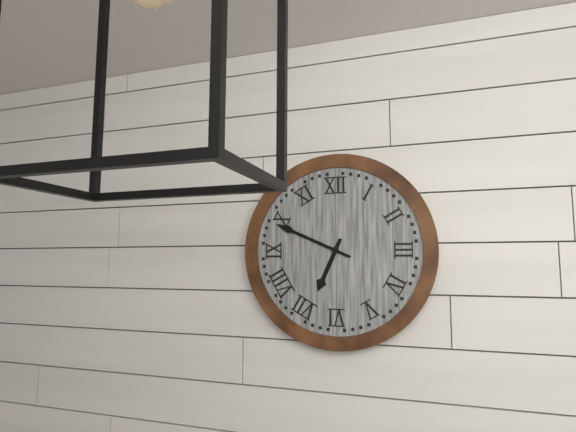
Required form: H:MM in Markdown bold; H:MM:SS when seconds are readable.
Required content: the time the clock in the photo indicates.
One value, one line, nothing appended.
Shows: **6:49**
